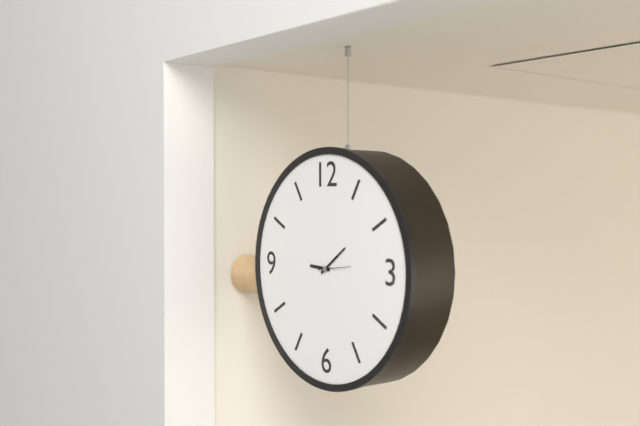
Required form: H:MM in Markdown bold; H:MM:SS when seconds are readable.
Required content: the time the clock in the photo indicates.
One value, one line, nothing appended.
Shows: **9:09**
